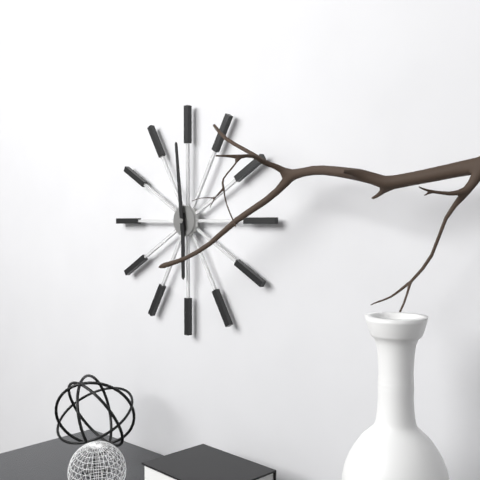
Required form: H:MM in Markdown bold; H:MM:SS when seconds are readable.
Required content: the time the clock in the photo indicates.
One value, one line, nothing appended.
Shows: **5:59**
